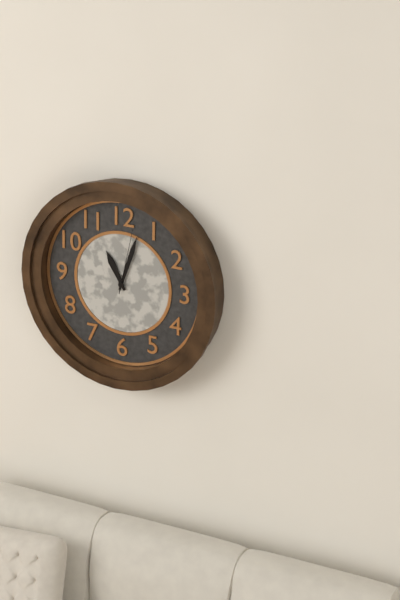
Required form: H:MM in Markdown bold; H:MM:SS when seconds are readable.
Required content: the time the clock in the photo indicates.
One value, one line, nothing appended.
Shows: **11:03:02**
